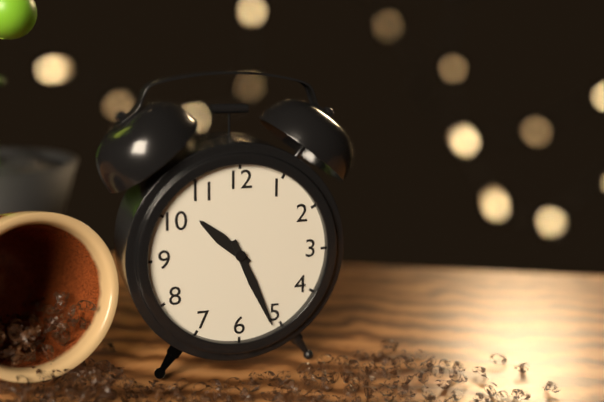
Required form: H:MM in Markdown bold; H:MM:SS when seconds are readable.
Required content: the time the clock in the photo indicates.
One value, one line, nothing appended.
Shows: **10:26**
